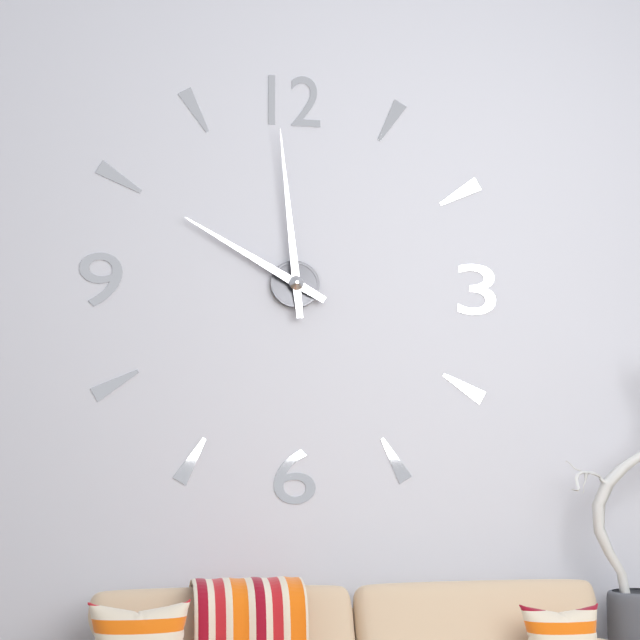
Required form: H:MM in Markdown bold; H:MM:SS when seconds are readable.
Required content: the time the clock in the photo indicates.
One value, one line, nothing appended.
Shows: **9:59**
